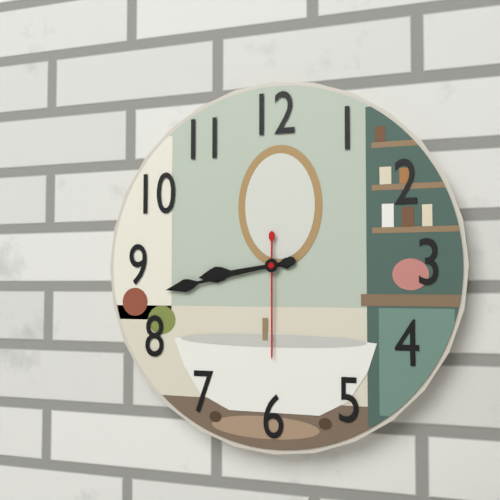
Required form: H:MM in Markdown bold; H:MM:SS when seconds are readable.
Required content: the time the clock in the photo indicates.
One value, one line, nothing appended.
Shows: **8:43:30**
